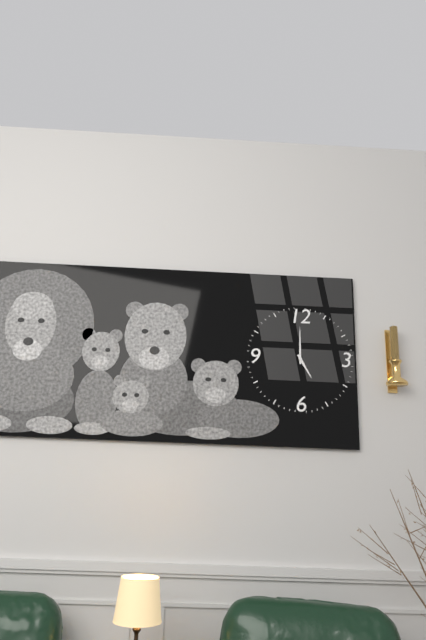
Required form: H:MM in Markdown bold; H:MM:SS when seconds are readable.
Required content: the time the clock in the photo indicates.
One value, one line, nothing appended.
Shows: **5:00**
